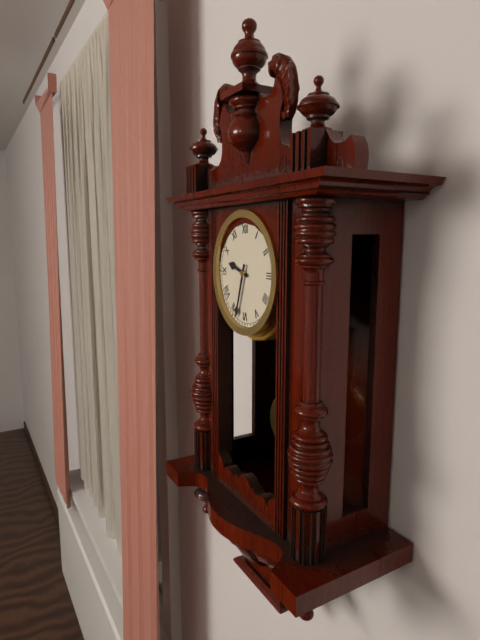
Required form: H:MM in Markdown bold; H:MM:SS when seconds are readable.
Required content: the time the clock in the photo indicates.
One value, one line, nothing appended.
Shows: **9:33**
